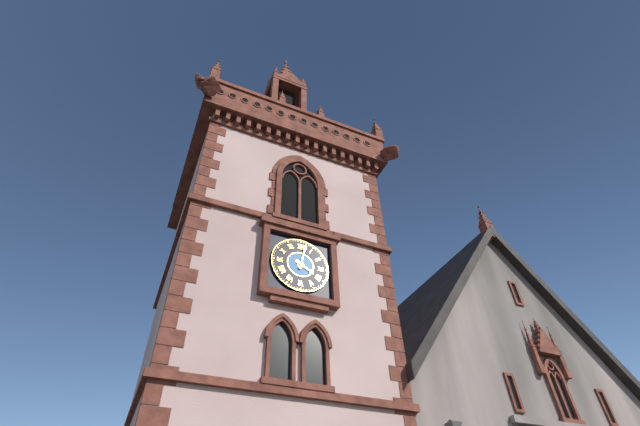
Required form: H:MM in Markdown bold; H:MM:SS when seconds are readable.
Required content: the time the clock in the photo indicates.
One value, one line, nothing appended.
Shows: **4:02**
